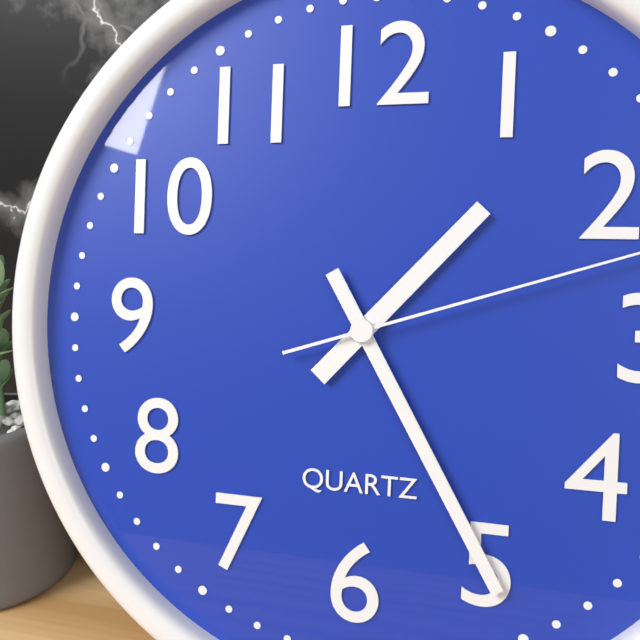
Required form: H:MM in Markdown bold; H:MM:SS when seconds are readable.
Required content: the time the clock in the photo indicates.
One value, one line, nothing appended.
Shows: **1:25**
